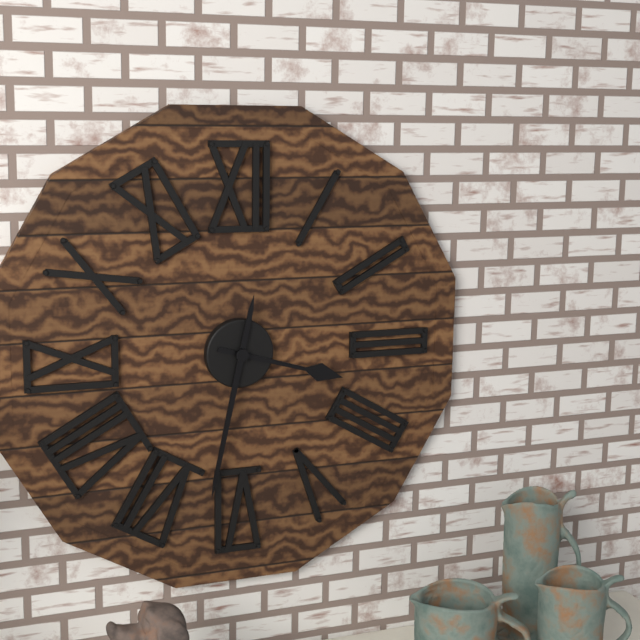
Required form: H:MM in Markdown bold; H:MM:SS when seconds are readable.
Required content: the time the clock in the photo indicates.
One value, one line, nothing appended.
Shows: **3:32**
